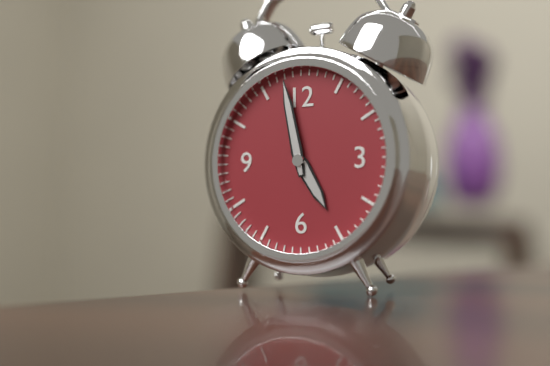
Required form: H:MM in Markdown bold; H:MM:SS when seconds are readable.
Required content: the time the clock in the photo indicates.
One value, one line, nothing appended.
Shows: **4:58**
